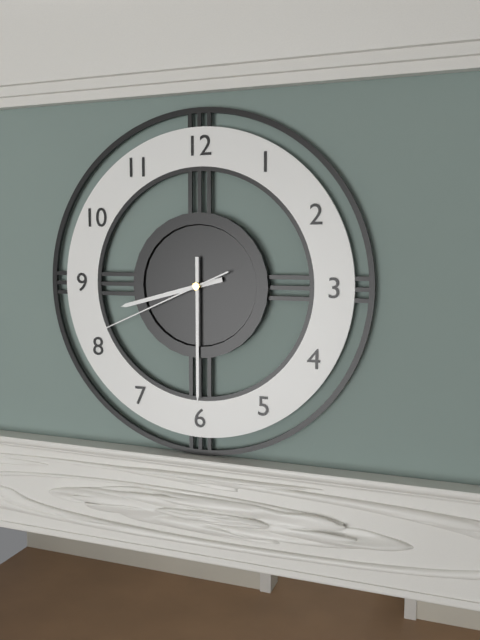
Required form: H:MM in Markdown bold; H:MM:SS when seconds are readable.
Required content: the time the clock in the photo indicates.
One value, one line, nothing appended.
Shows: **8:30:41**
